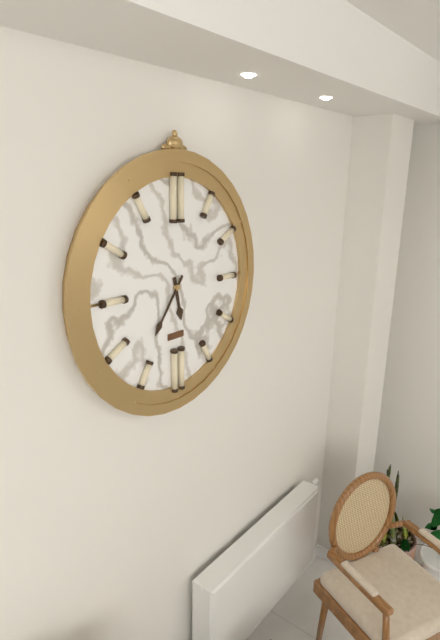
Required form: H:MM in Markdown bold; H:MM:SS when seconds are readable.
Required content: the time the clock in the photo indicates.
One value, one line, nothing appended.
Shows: **5:36**
